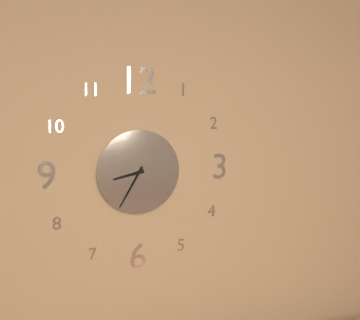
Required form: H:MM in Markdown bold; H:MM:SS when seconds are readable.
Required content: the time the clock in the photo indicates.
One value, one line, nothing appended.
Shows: **8:35**
